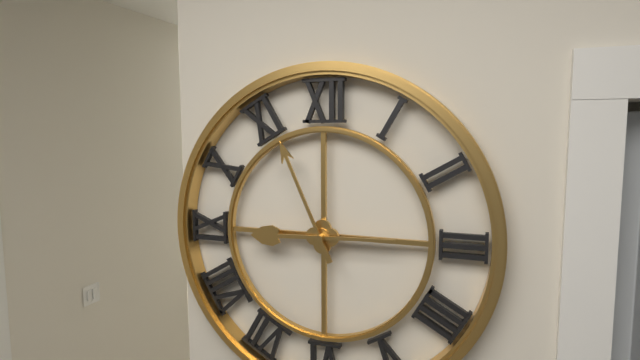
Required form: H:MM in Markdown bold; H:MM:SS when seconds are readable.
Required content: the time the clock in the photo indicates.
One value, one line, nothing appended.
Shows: **8:56**
